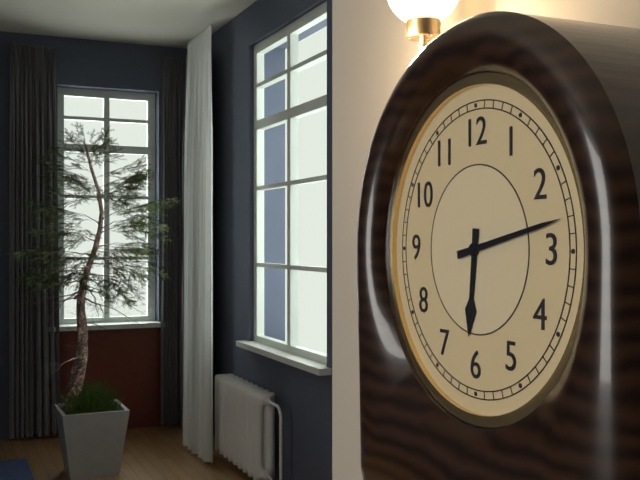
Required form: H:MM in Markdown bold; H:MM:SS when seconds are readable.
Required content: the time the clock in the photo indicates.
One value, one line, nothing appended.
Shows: **6:13**
